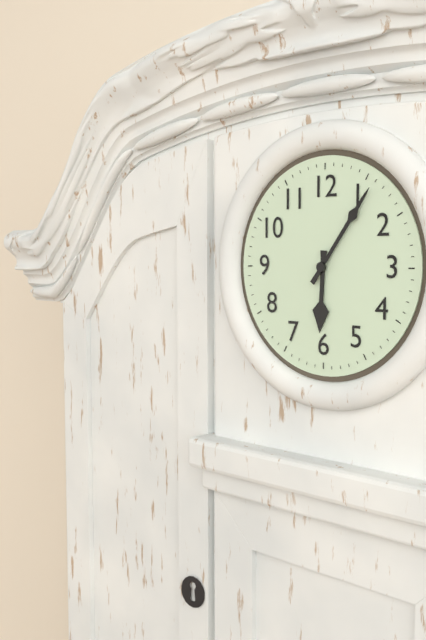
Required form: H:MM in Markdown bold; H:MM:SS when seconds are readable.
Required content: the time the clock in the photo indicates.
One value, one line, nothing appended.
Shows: **6:06**
